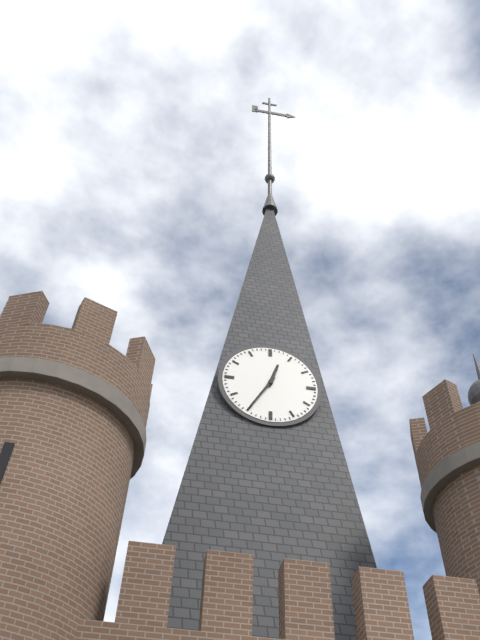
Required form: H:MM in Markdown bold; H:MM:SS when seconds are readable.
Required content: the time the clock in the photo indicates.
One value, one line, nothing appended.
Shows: **12:35**
